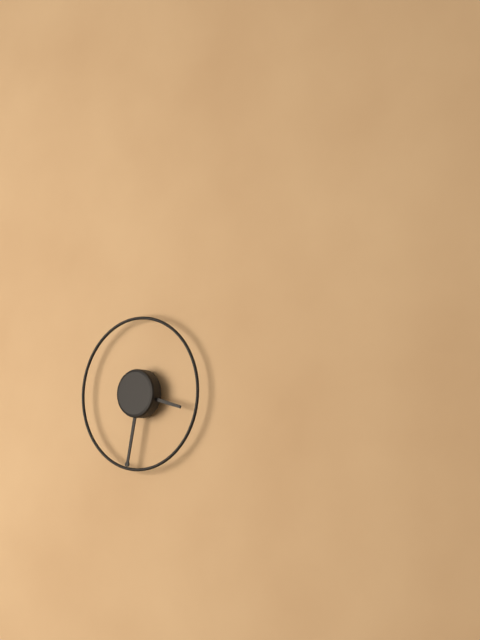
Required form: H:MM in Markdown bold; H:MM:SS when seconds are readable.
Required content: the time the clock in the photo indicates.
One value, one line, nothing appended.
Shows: **3:32**
